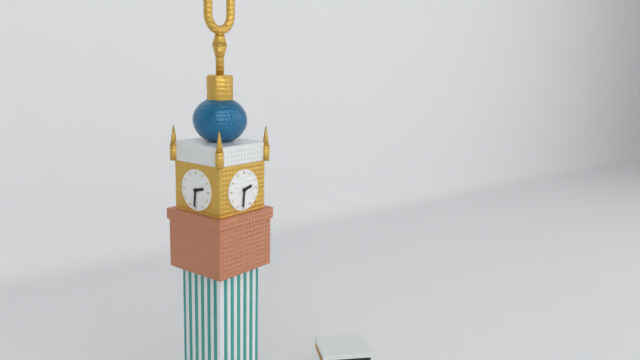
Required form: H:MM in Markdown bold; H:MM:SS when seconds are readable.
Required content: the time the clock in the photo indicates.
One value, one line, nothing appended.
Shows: **2:31**
